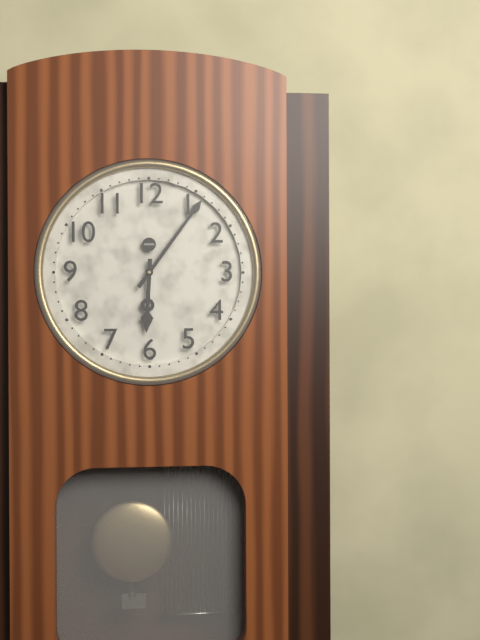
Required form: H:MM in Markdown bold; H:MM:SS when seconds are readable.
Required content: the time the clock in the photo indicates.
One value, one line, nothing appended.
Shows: **6:06**
